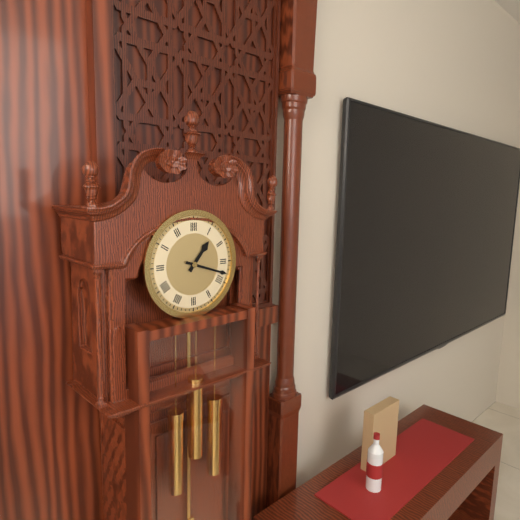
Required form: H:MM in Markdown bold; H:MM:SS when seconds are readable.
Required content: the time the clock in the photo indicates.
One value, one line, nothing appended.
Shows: **1:18**
